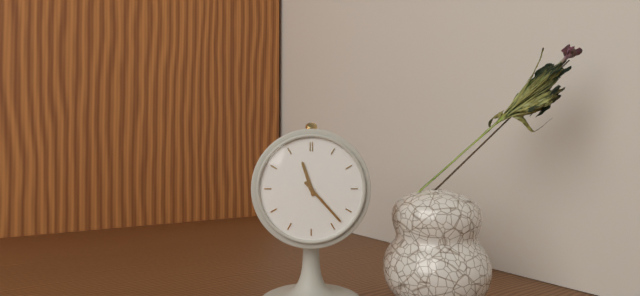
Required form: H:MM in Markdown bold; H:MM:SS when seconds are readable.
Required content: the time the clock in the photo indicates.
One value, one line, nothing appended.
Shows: **11:23**
